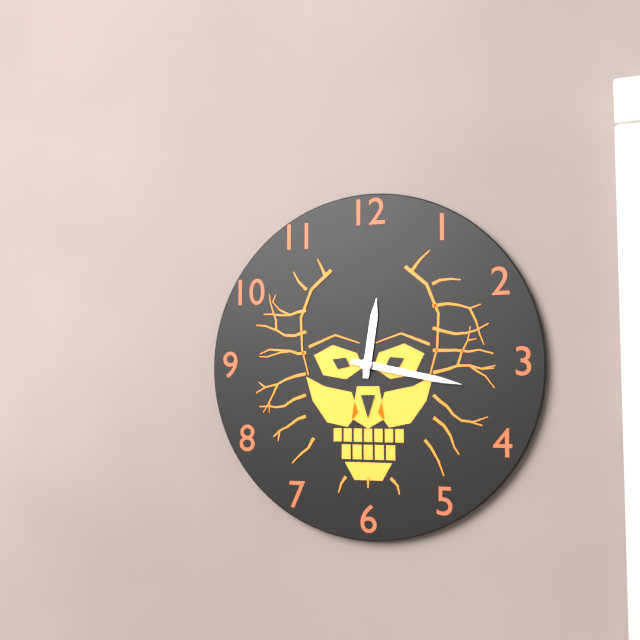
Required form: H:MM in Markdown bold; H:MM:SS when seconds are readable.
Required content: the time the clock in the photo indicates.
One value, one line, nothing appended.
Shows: **12:17**
